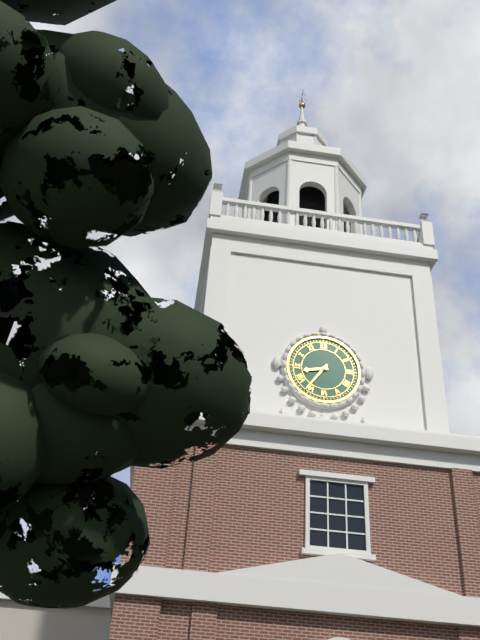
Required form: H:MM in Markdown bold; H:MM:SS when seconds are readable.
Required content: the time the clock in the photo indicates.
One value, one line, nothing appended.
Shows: **8:36**
